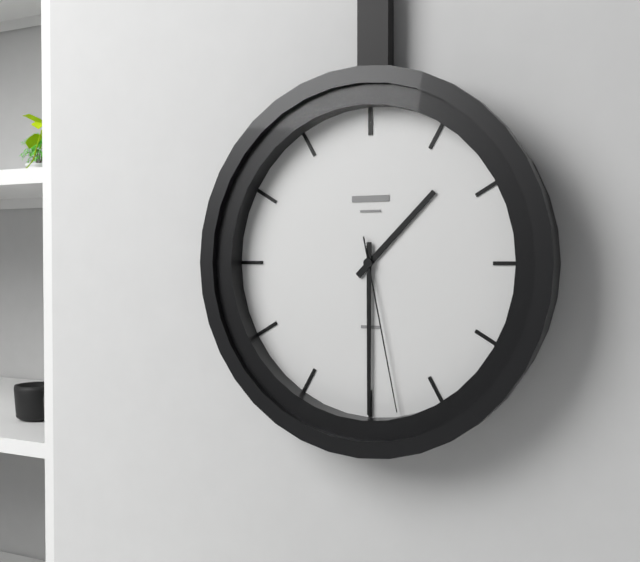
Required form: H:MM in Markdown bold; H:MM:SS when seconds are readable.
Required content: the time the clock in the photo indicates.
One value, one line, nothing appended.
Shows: **1:30:28**
